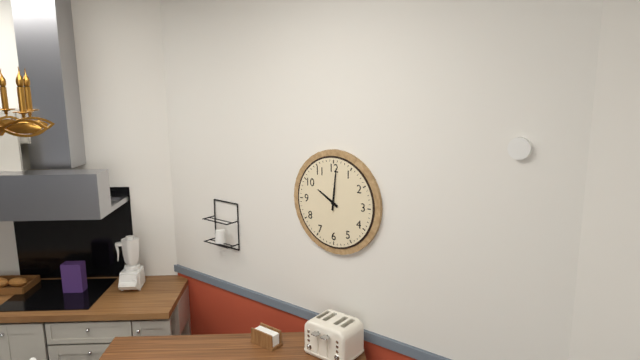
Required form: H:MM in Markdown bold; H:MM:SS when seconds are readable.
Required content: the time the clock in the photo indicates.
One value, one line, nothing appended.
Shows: **10:01**
